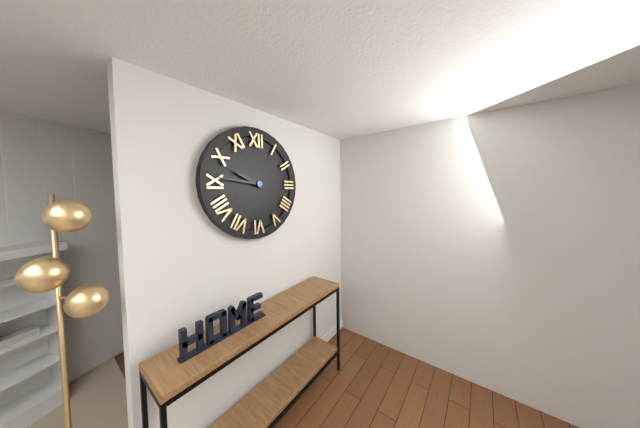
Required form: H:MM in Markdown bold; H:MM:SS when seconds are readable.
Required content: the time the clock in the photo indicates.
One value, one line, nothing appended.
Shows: **9:46**
